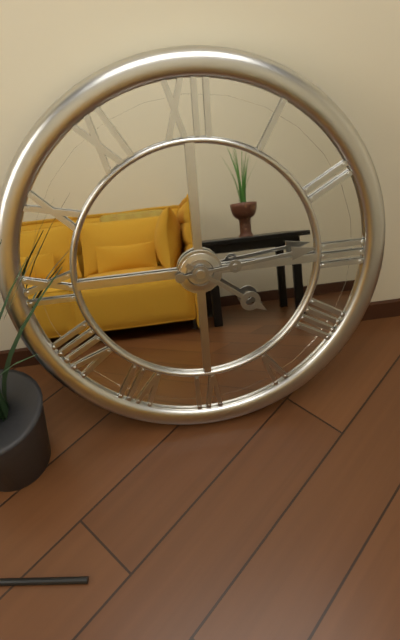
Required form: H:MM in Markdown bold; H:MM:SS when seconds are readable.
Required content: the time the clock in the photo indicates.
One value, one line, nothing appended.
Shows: **4:14**
